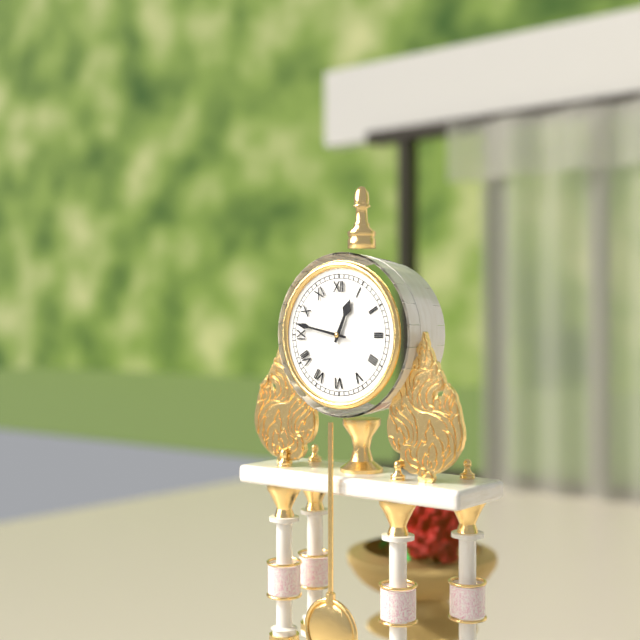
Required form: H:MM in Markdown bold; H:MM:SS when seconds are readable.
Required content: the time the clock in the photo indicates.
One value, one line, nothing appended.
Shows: **12:47**
